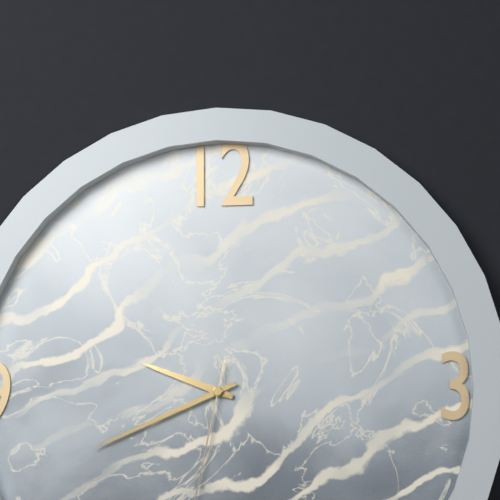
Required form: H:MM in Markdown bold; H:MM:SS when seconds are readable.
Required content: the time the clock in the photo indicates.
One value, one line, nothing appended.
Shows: **9:41**
